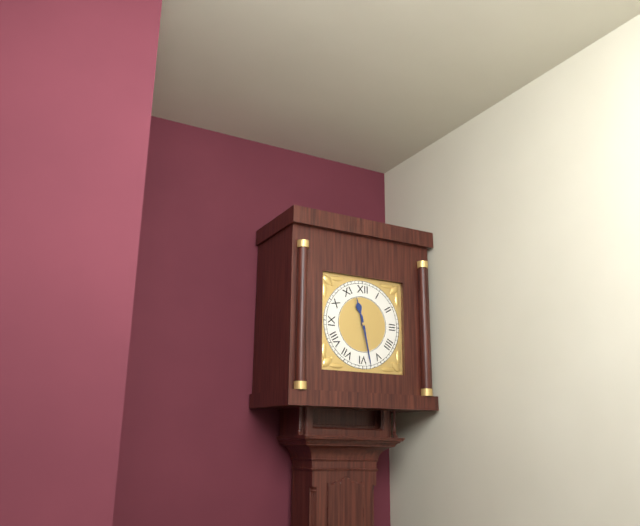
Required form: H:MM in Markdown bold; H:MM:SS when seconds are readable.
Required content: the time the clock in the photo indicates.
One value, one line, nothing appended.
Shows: **11:28**
